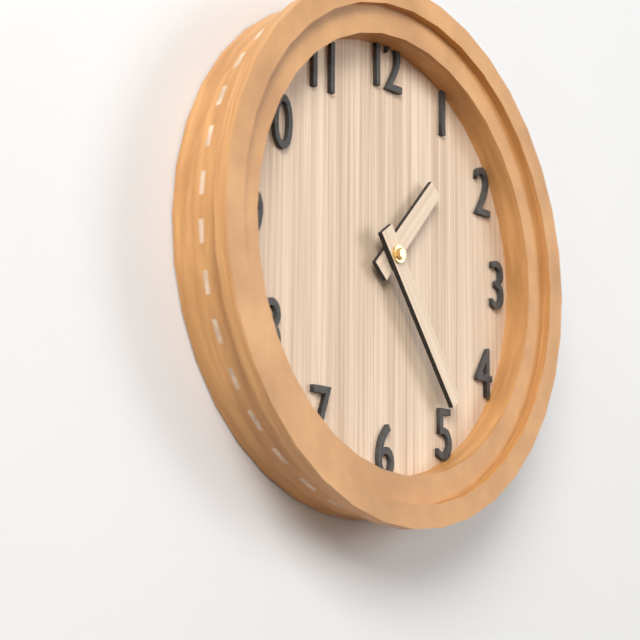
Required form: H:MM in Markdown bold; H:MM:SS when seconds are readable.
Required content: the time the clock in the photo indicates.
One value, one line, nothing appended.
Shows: **1:24**
